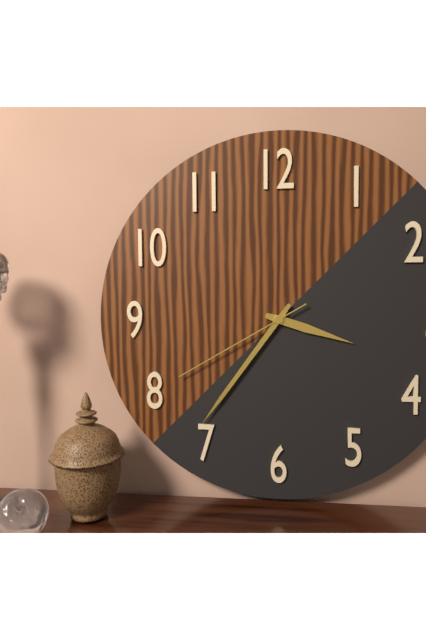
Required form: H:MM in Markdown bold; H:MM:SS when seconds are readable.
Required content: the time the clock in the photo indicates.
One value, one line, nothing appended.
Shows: **3:36:40**
